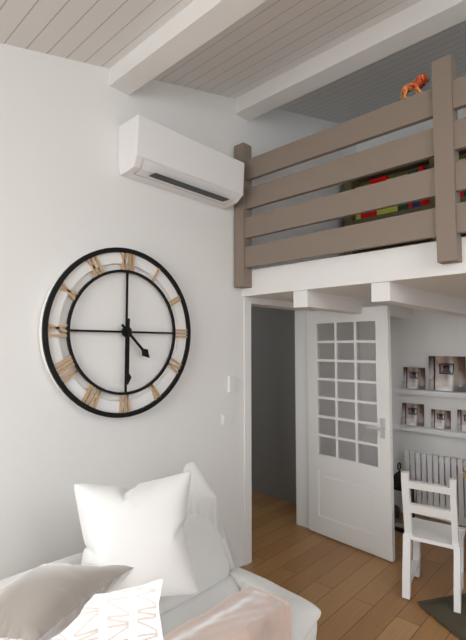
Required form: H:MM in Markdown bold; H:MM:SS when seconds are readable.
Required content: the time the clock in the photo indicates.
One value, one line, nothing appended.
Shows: **4:30**
